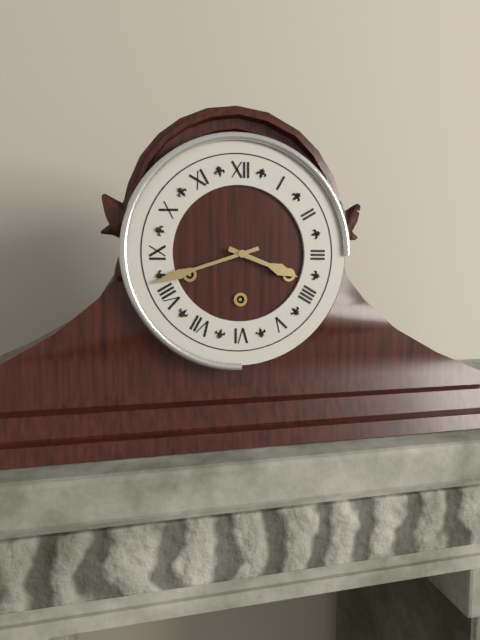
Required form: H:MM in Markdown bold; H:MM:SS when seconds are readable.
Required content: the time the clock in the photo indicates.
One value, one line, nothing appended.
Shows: **3:42**
